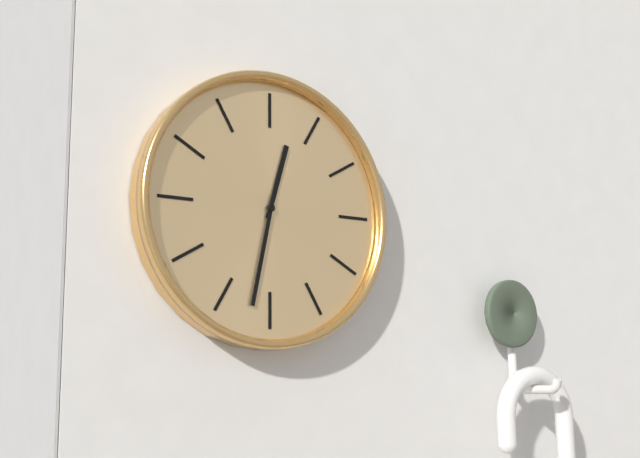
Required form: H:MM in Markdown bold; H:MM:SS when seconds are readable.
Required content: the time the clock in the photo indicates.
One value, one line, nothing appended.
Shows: **12:32**
